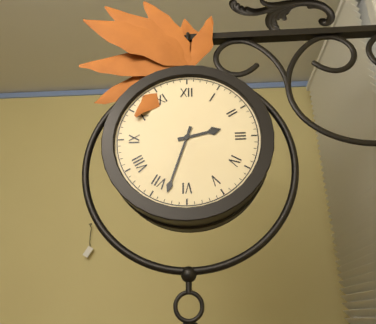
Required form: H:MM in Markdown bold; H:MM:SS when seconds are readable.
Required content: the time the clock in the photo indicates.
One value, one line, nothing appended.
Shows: **2:33**
